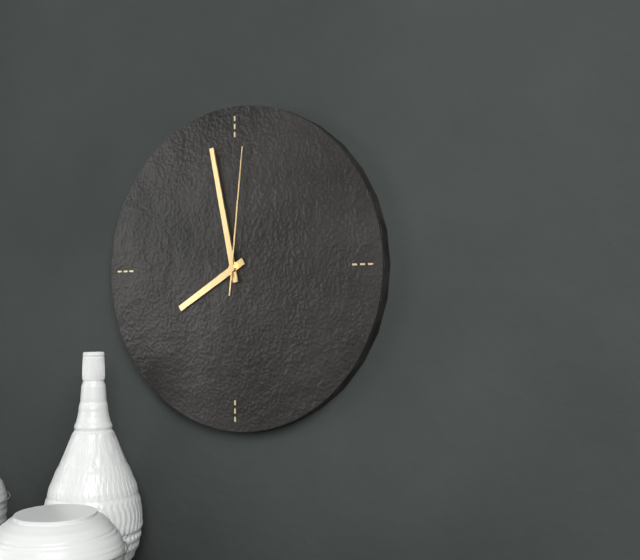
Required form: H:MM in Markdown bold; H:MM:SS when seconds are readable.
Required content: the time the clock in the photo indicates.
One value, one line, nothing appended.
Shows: **7:58:01**
